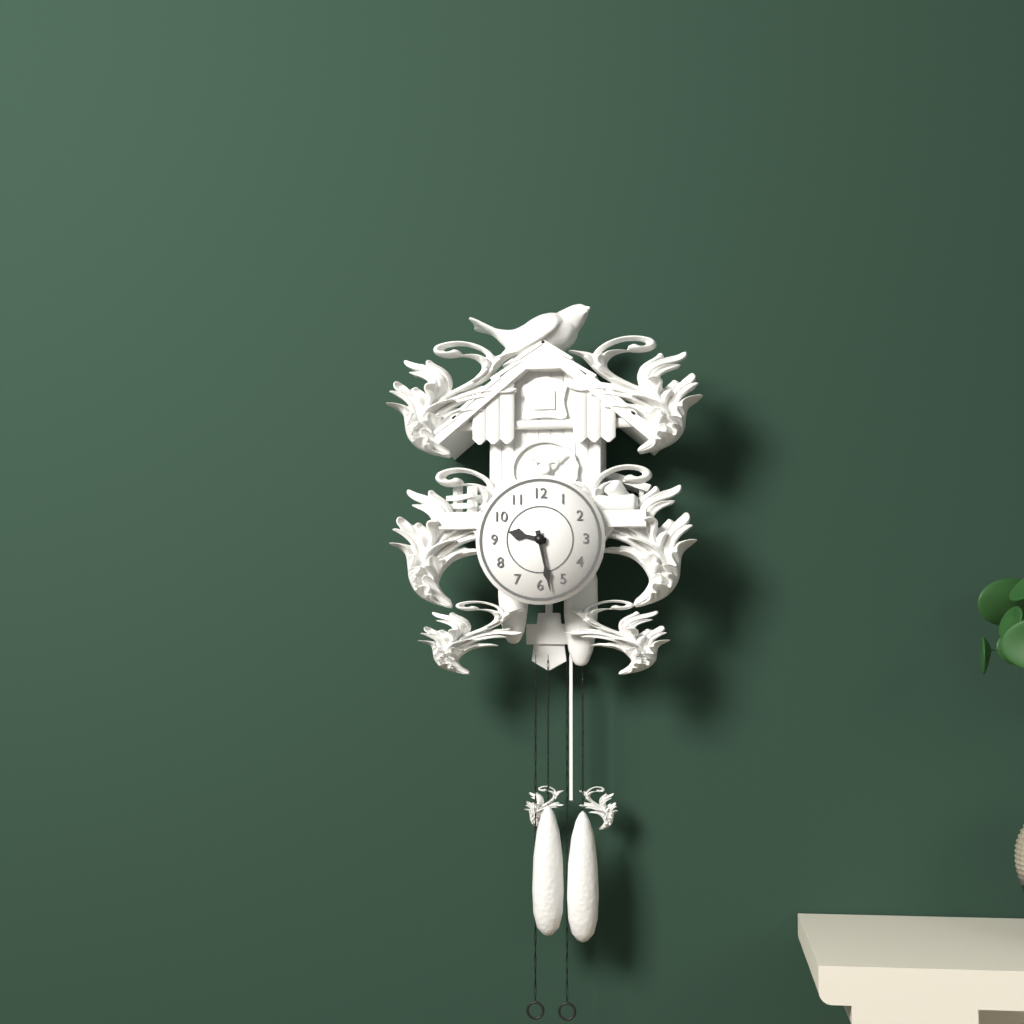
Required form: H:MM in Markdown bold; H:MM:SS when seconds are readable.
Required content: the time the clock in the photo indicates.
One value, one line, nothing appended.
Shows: **9:28**
